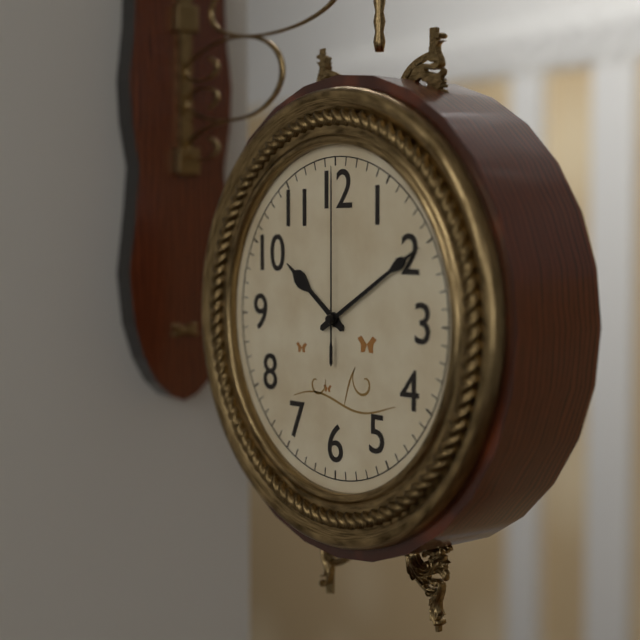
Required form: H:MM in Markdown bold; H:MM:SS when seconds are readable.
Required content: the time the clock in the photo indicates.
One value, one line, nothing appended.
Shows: **10:10:00**
